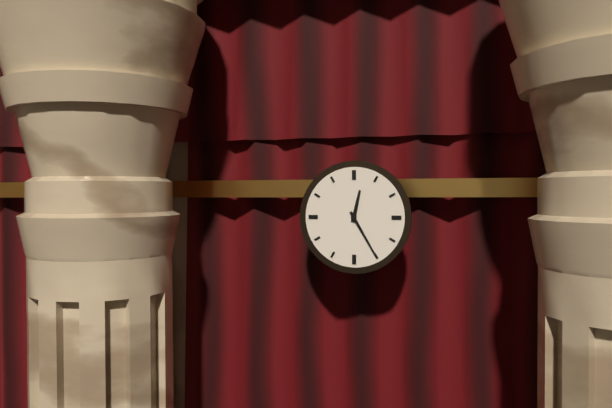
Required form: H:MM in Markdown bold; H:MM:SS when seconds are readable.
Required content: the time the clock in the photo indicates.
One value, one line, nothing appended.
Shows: **12:25**
